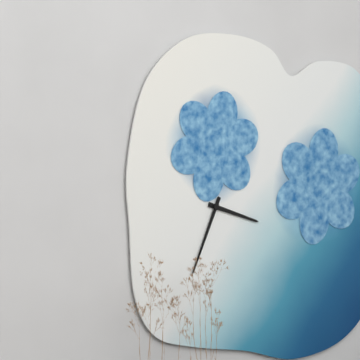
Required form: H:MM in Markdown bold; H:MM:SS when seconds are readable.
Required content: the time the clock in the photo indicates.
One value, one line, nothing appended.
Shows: **3:34**
